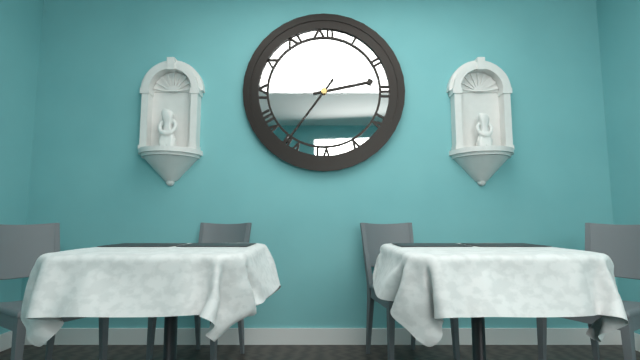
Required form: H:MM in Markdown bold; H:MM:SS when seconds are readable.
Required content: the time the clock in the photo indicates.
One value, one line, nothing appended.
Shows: **2:36**
